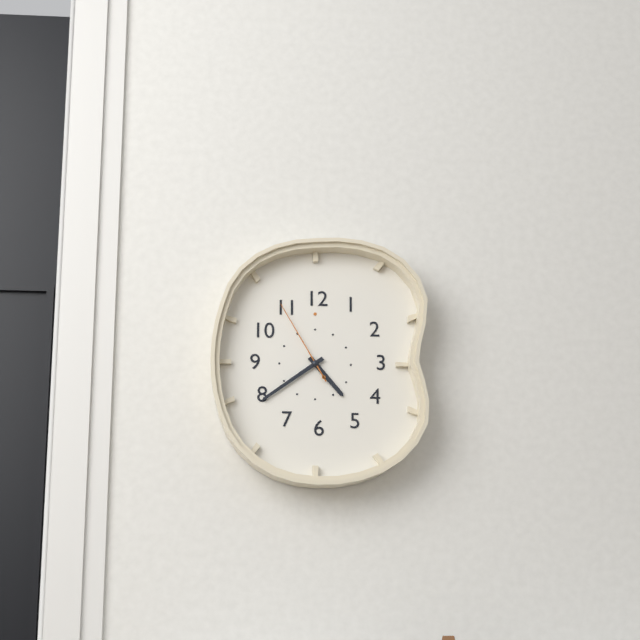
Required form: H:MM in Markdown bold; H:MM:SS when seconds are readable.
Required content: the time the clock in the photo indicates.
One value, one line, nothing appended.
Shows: **4:39:55**
